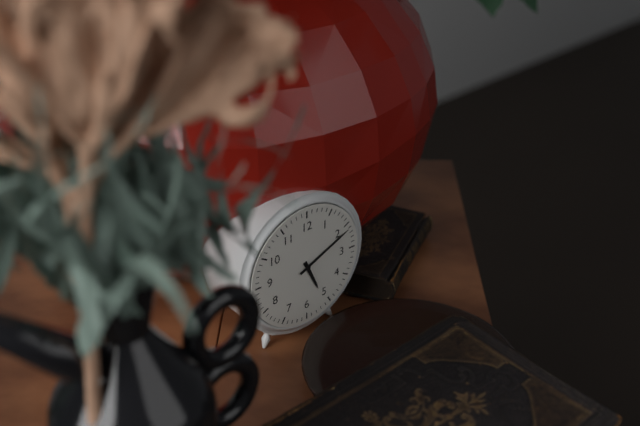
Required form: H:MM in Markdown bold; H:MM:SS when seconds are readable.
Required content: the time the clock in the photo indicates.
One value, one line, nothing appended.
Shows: **5:11**
